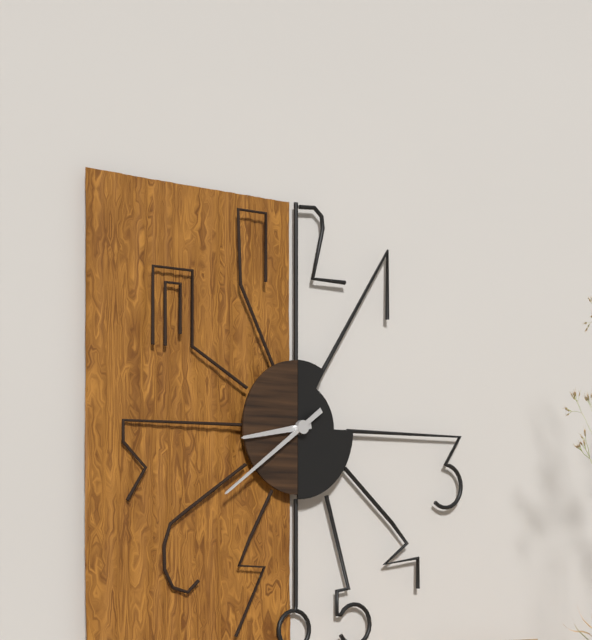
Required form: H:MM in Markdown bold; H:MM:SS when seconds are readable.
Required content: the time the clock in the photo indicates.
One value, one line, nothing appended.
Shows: **8:39**
